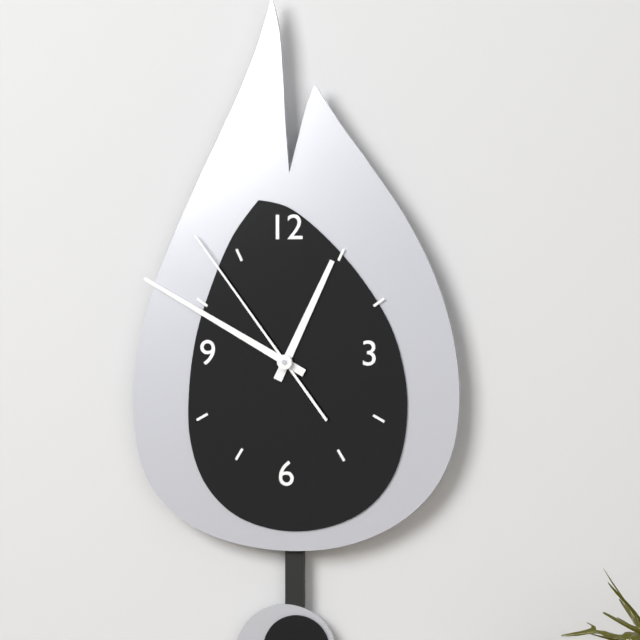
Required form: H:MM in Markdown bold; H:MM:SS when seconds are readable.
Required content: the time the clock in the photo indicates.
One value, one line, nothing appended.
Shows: **12:50:54**
